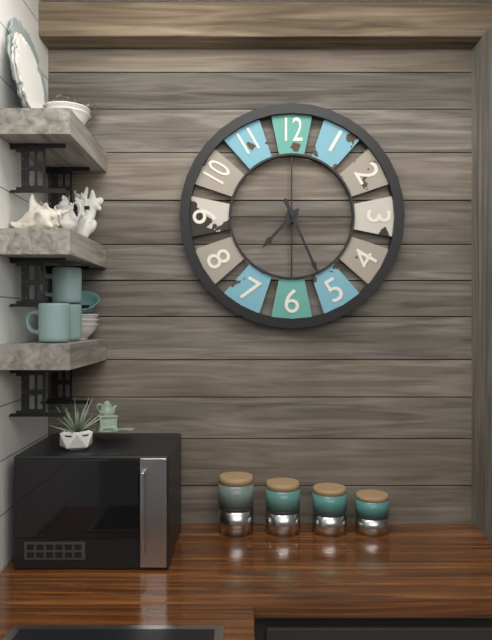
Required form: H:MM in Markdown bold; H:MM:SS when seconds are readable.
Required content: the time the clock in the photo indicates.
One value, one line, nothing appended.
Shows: **7:26**
